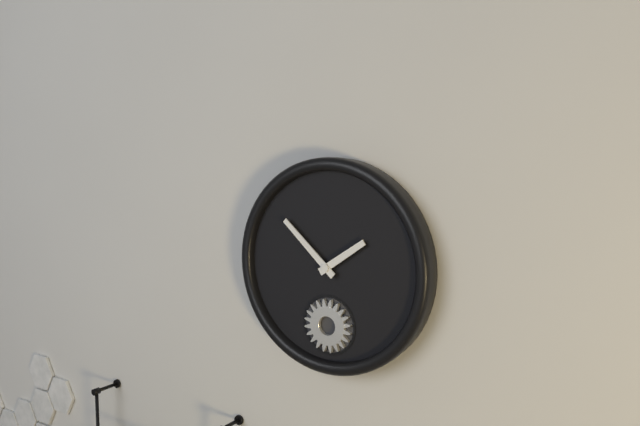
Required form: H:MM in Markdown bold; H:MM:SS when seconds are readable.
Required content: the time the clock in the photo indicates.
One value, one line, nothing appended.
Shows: **1:52**
